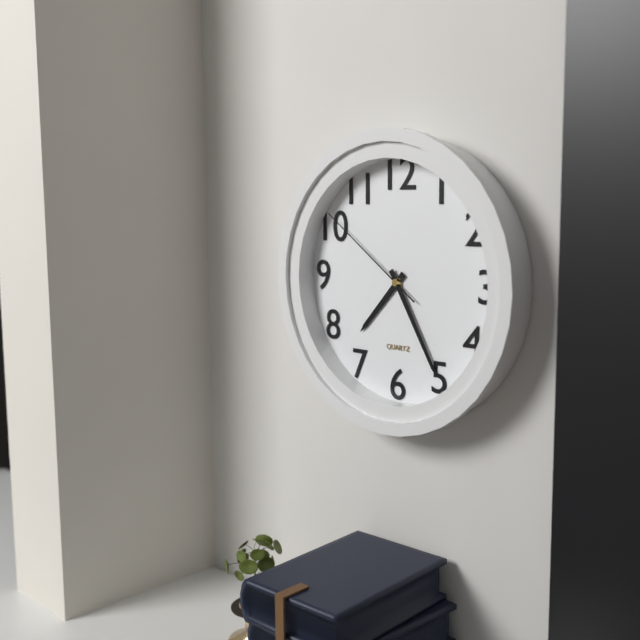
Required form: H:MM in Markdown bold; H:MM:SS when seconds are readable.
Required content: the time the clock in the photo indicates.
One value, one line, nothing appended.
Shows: **7:25:51**
